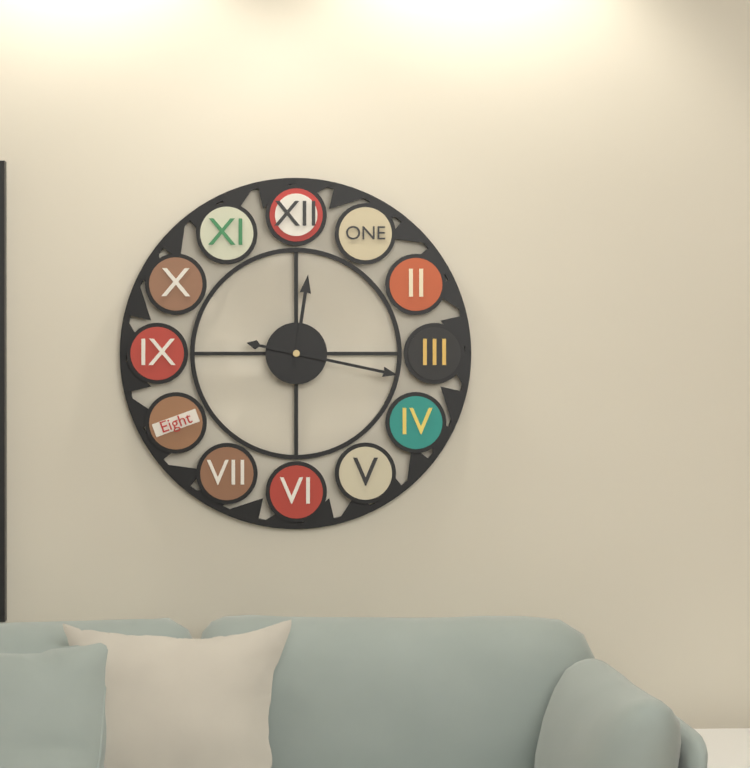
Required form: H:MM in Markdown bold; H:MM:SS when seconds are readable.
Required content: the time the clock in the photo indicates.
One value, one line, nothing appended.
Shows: **12:17**
